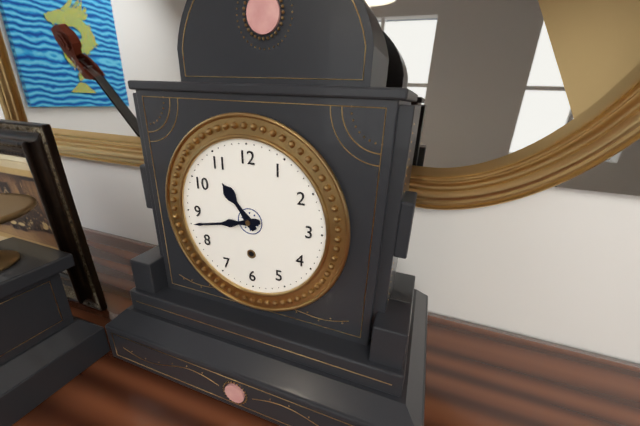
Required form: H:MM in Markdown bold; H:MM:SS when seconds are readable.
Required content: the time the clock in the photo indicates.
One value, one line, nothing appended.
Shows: **10:43**
